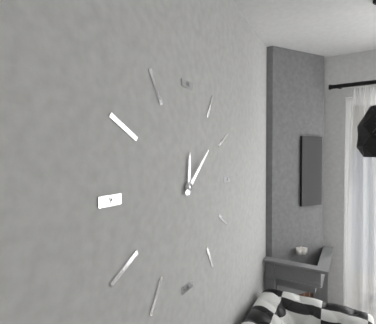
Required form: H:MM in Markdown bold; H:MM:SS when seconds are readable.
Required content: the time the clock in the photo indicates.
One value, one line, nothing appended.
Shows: **12:08**
